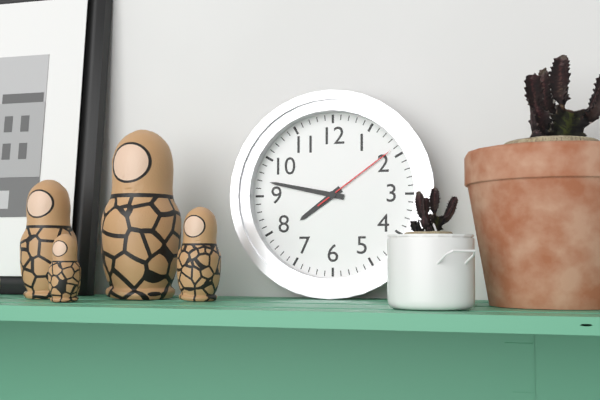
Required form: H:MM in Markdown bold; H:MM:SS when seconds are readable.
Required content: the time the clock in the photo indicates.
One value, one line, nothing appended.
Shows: **7:47:09**
